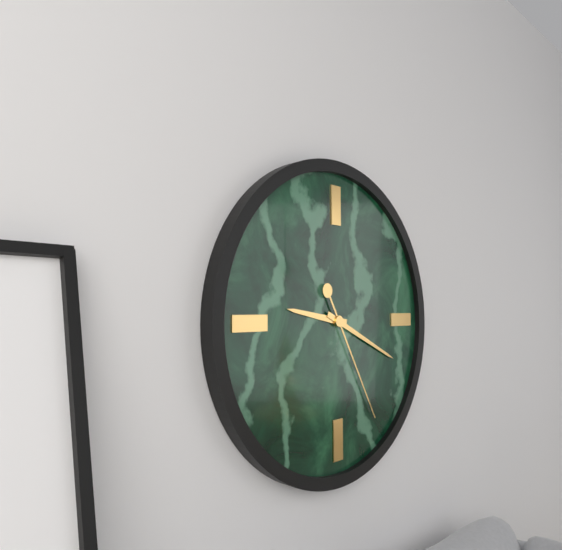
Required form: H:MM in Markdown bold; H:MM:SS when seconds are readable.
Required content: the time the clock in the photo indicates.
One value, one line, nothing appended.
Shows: **9:19:25**
